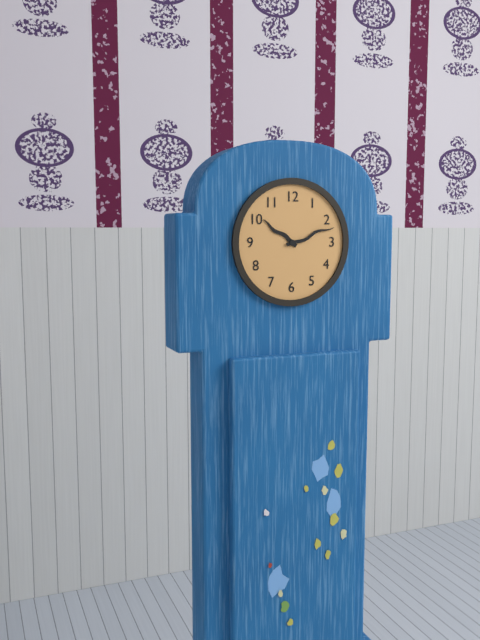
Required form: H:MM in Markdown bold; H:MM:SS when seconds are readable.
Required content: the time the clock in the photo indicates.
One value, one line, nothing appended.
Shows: **10:12**
